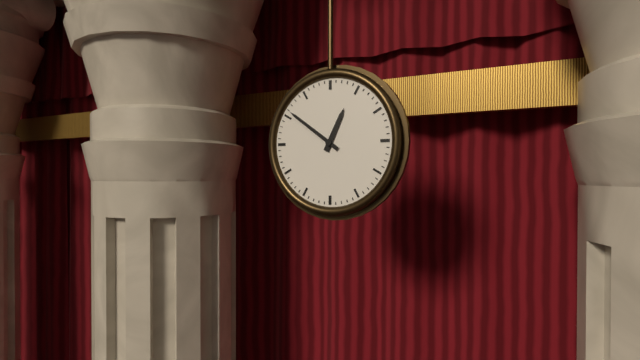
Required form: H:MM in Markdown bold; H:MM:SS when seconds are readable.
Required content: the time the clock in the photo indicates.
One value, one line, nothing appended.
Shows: **12:51**
